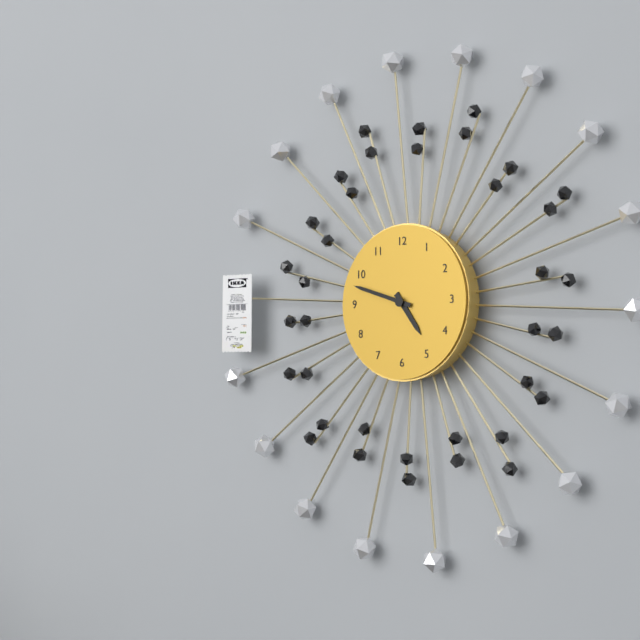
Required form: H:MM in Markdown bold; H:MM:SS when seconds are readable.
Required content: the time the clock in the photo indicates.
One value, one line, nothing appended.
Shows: **4:48**
